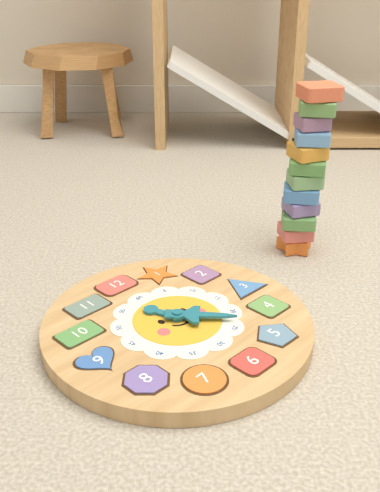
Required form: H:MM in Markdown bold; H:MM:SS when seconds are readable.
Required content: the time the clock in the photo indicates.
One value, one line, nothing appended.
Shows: **11:23**
